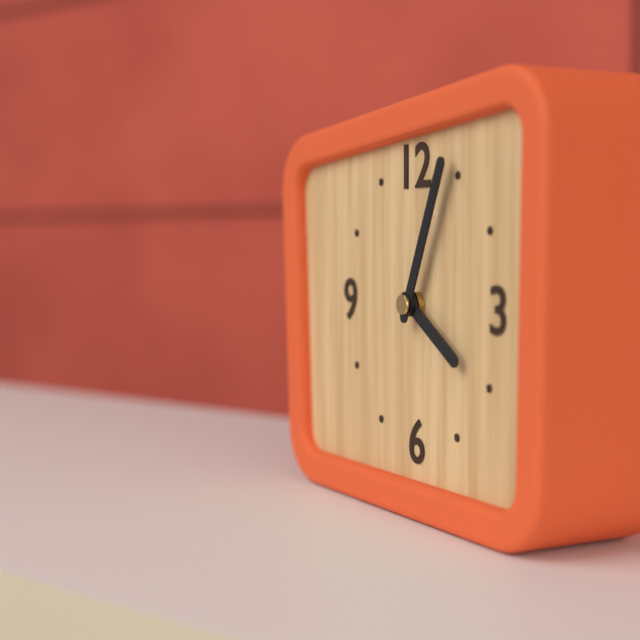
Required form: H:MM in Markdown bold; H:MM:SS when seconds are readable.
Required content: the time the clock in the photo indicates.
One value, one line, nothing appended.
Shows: **4:04**
